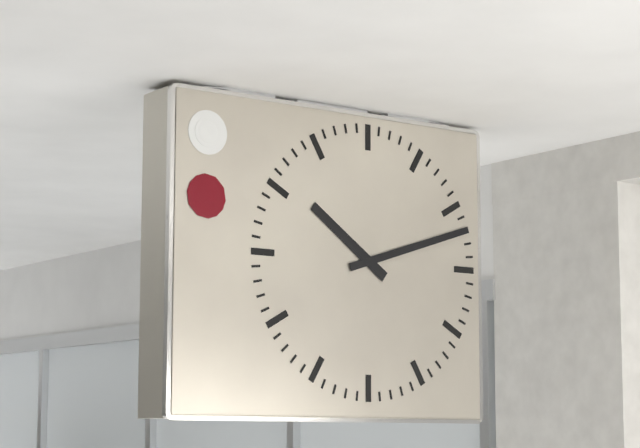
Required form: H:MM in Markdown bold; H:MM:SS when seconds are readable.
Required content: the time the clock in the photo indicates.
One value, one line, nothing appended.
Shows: **10:12**
